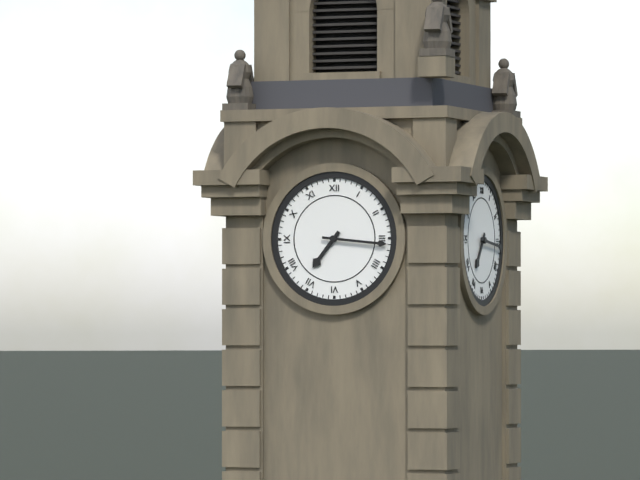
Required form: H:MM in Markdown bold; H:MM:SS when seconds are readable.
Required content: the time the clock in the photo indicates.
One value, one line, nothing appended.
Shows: **7:16**
